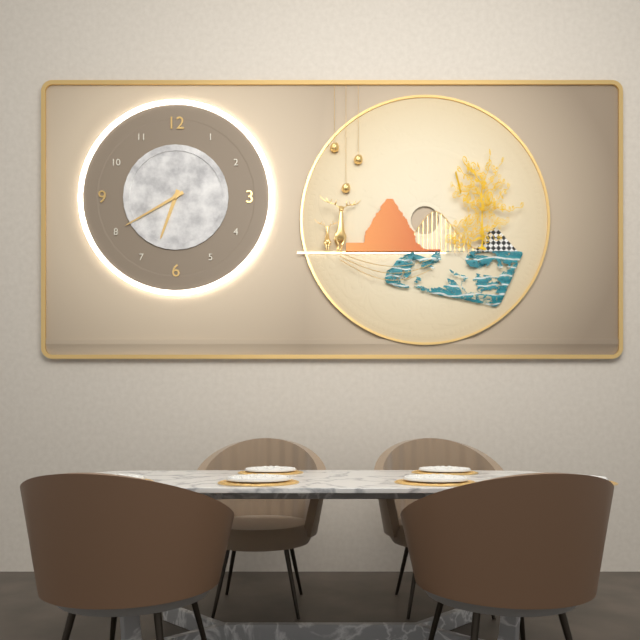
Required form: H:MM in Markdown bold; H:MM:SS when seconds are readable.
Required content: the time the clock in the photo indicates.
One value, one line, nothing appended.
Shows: **6:40**
